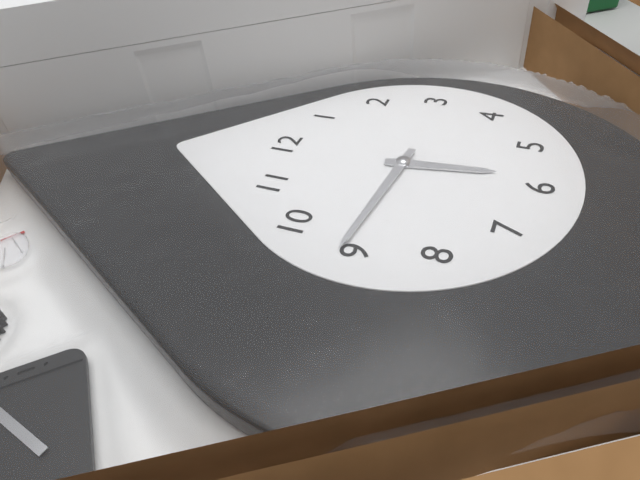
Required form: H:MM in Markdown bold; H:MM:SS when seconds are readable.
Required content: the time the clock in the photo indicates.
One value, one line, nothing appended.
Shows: **5:46**
